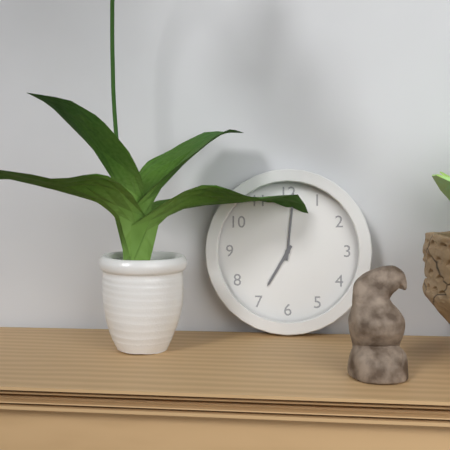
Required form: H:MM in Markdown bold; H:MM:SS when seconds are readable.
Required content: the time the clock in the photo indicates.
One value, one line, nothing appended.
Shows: **7:01**
